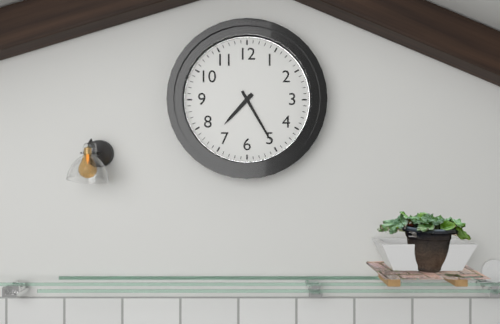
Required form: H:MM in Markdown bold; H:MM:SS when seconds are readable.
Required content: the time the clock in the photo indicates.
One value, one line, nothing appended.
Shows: **7:25**
